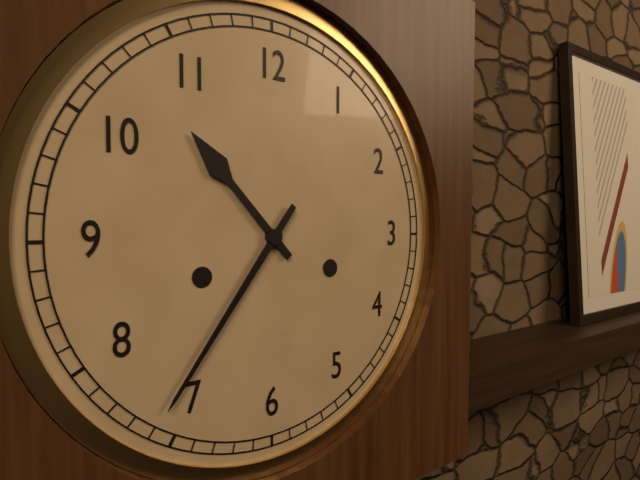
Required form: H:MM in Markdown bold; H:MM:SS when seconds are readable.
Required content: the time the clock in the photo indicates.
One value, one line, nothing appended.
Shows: **10:36**
